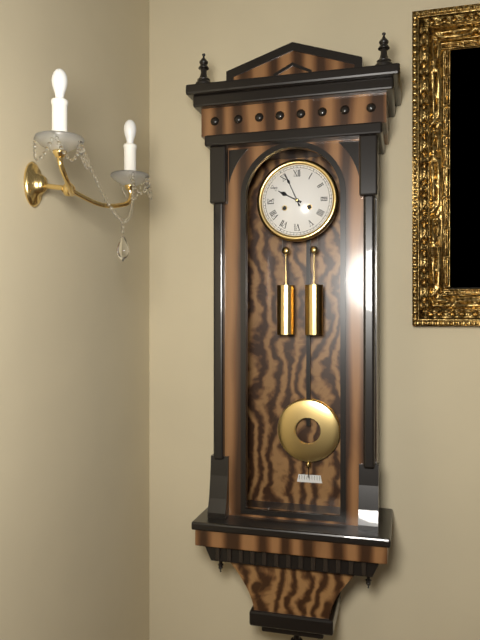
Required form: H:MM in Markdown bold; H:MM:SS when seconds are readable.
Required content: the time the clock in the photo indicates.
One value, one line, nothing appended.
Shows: **9:56**
